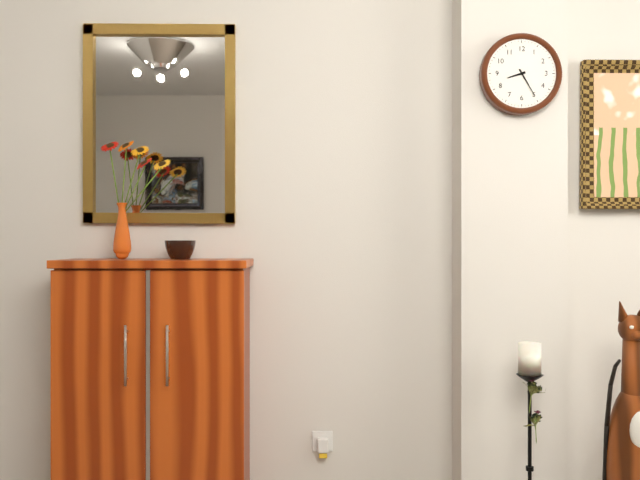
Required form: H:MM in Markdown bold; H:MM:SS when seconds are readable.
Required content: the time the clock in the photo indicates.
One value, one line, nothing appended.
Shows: **8:25**
